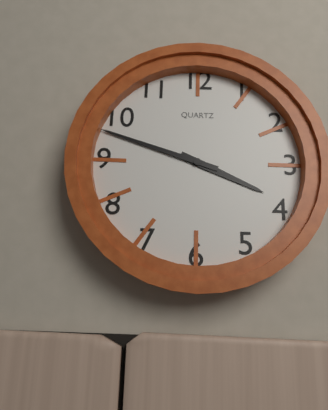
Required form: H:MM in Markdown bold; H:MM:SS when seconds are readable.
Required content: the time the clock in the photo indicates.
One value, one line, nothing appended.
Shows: **3:48**
